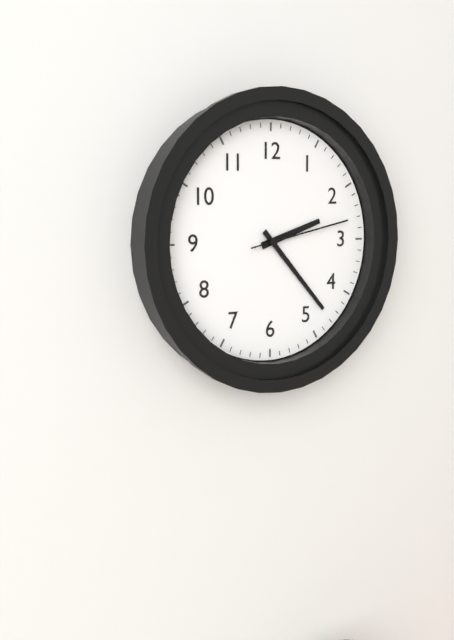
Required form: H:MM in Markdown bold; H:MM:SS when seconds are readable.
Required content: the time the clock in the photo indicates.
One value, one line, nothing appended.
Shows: **2:23:13**
